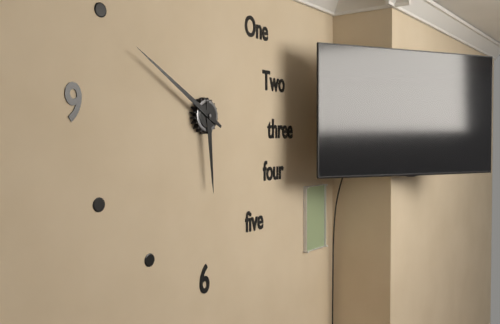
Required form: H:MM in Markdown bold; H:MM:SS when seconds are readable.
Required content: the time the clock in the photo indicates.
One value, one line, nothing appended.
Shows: **5:50**
